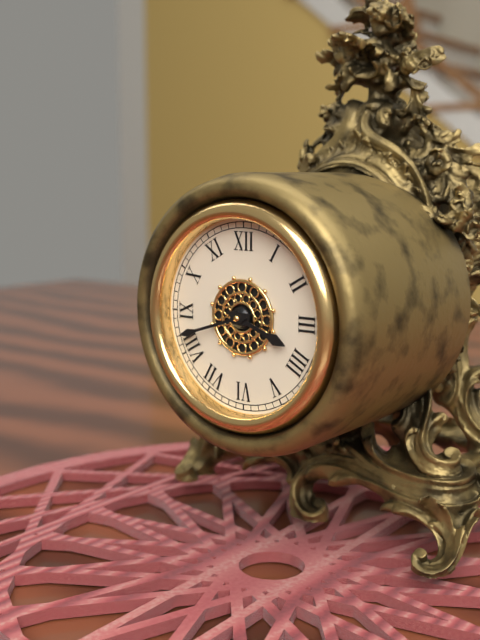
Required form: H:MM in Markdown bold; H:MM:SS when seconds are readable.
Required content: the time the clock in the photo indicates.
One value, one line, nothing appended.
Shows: **3:42**
